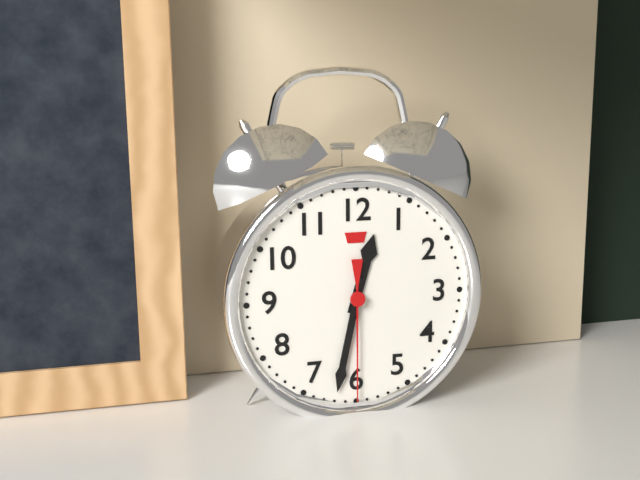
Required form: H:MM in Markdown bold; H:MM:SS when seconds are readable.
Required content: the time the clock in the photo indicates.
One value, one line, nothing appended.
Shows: **12:32:30**
